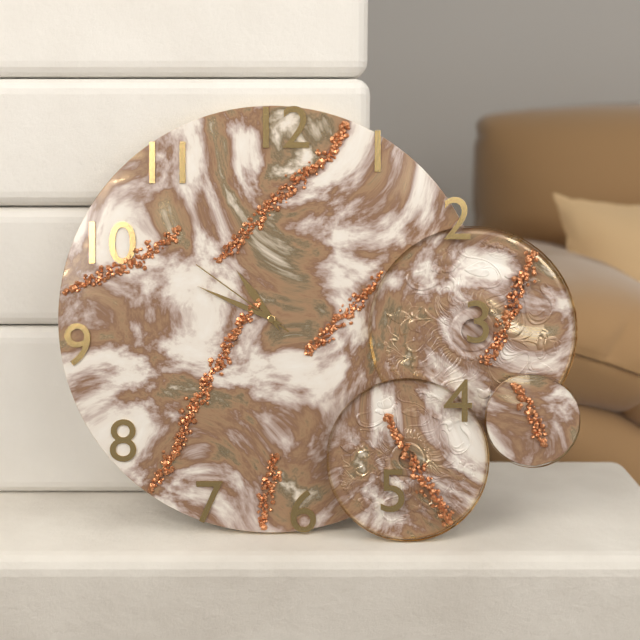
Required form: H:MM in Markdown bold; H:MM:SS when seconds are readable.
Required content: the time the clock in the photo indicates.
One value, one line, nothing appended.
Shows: **10:49:51**
